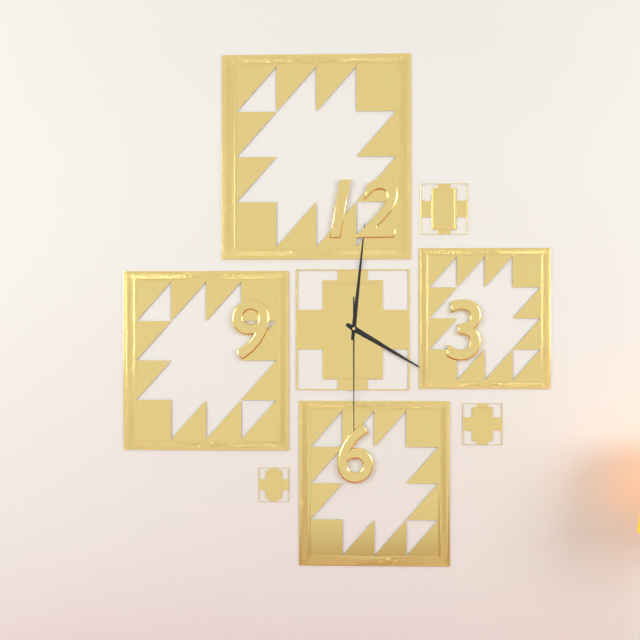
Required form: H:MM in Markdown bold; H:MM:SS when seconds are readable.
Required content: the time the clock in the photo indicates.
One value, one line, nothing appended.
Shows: **4:01:30**
